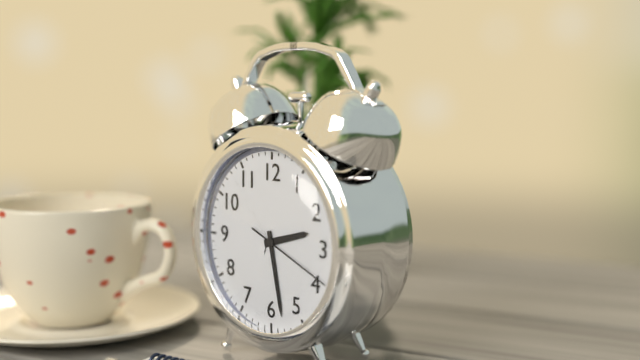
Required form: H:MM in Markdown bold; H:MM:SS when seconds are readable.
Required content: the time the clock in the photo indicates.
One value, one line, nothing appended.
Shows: **2:28:19**
